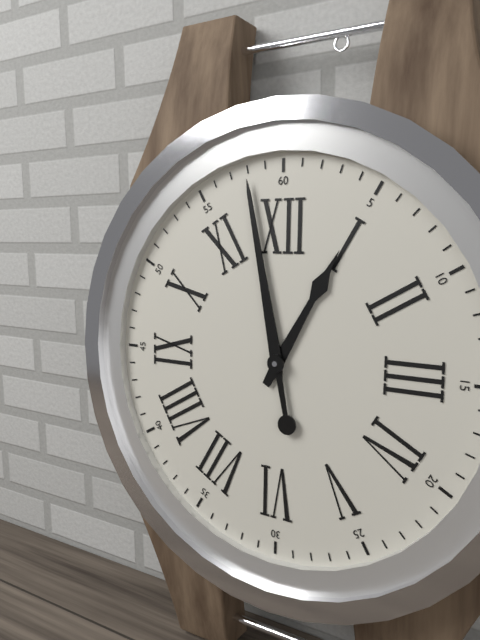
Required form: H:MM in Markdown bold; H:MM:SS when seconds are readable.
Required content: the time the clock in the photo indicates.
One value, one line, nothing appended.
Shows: **12:58**
